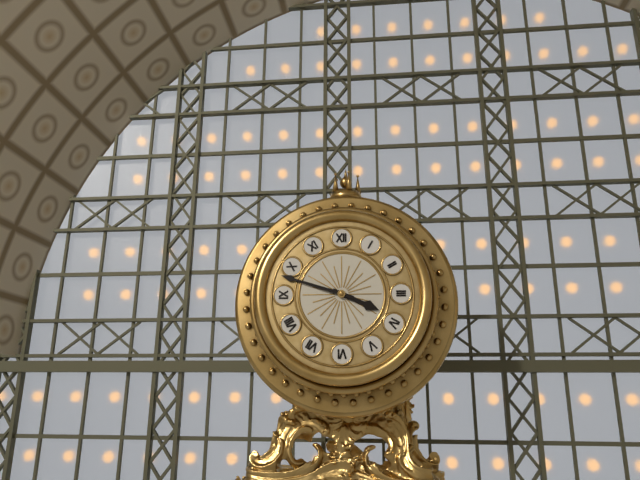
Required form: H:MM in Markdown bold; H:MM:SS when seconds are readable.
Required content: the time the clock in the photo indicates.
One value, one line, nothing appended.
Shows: **3:48**
